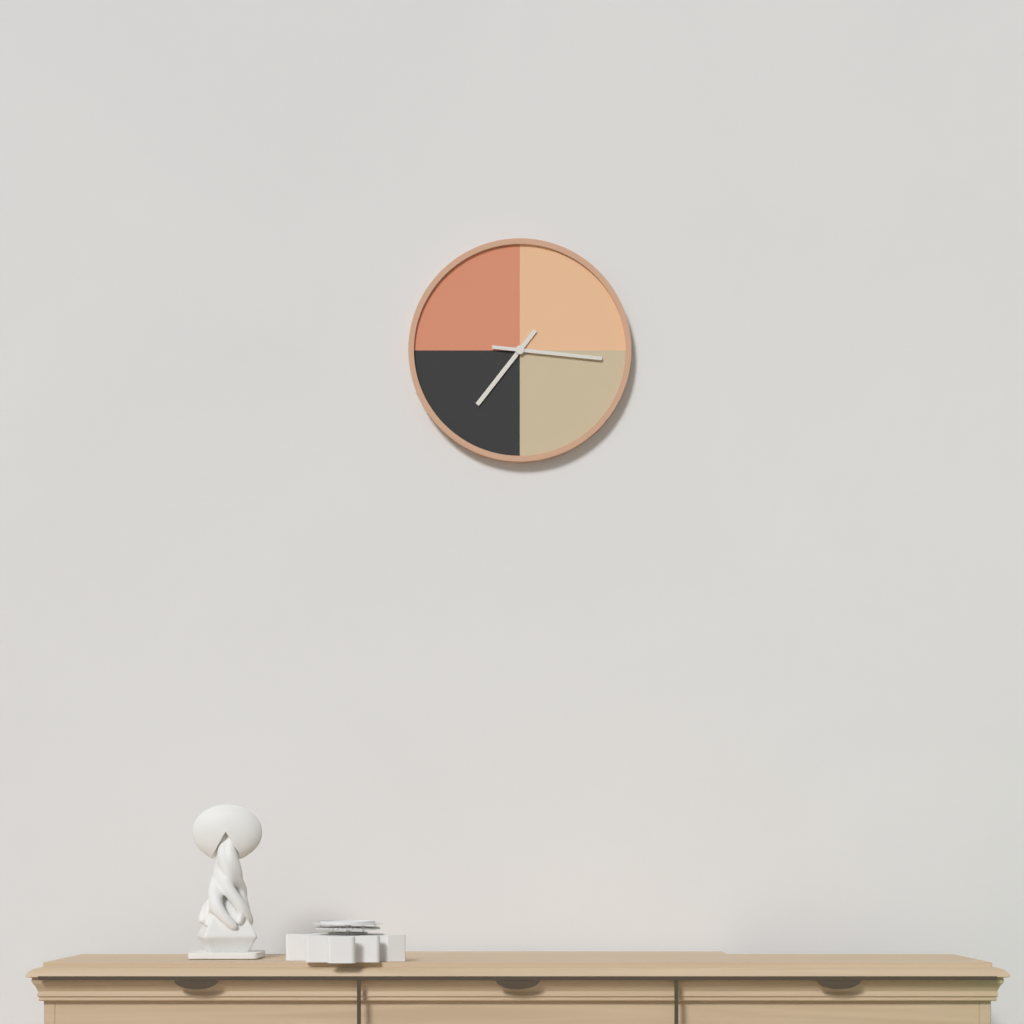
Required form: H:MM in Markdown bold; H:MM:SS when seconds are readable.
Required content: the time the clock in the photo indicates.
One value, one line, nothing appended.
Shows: **7:16**
